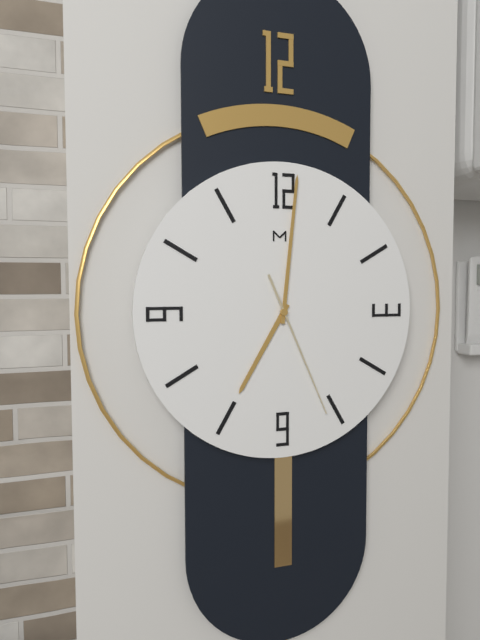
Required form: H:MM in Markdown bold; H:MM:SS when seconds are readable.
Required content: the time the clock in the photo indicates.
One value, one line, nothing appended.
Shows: **7:01:26**
